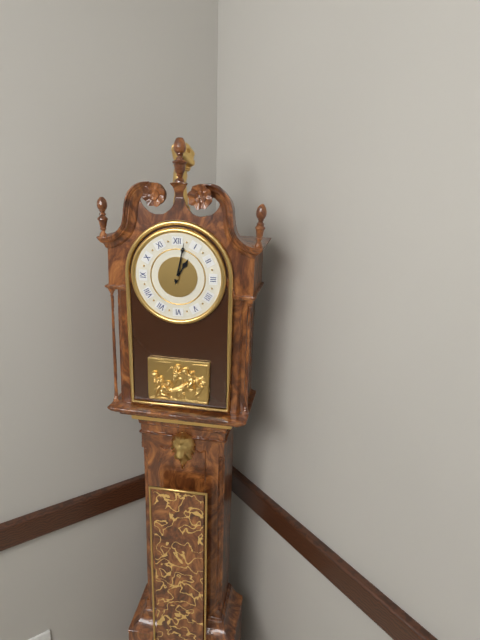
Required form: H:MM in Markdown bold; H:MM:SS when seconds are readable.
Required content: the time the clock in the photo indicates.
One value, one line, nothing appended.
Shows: **1:02**
